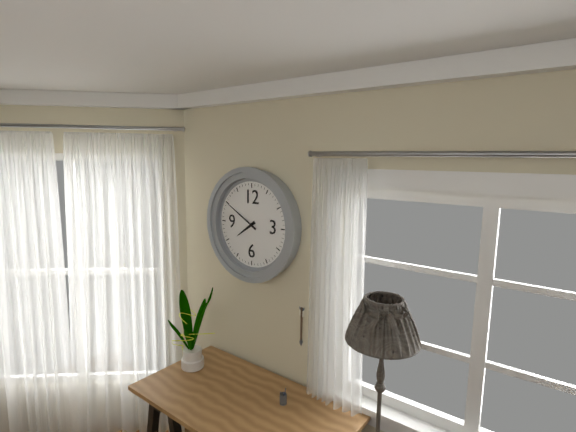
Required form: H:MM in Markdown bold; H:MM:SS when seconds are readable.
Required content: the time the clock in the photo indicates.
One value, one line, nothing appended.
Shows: **7:50**
